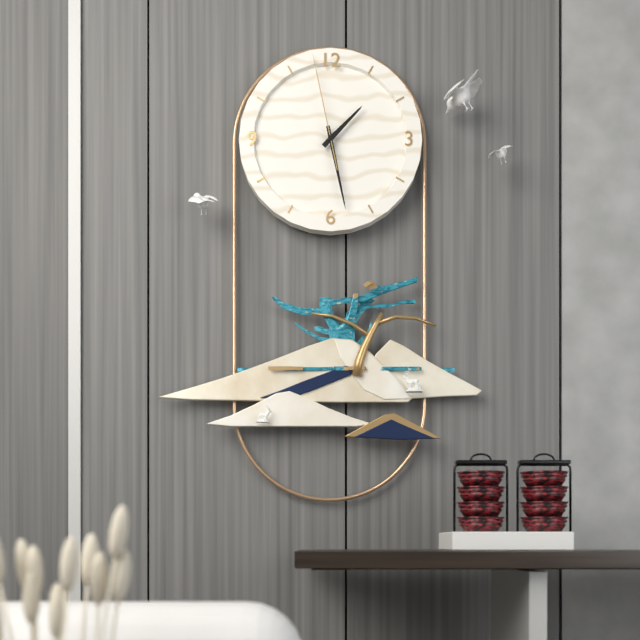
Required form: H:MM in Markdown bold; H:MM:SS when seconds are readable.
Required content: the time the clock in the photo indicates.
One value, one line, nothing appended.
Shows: **1:28:58**
